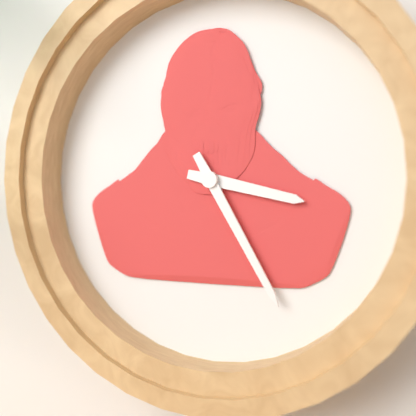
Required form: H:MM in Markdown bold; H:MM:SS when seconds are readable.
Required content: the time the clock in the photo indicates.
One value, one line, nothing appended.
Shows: **3:25**
